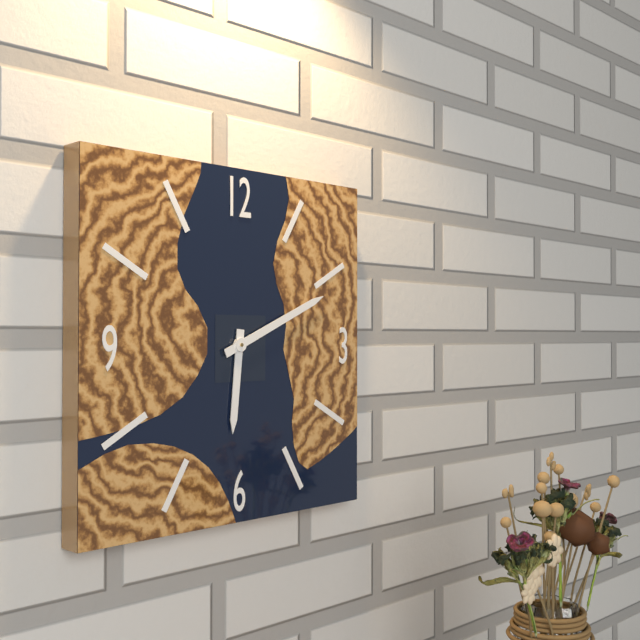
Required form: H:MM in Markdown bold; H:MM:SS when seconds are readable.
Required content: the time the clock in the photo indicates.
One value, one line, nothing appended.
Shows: **6:11**
